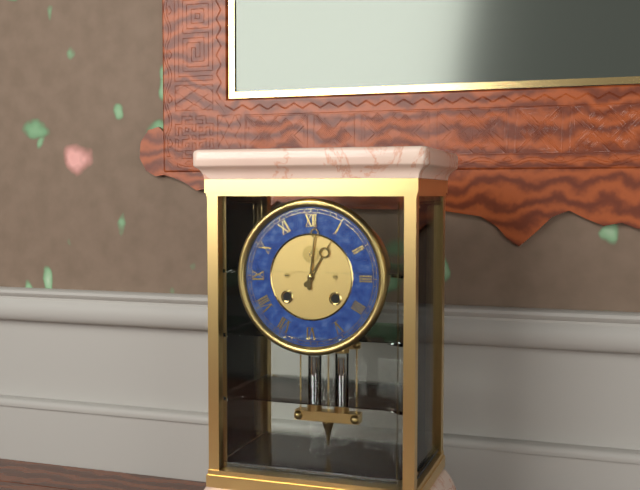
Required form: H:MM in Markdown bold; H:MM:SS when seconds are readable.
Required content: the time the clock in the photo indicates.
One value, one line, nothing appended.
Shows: **1:01**
